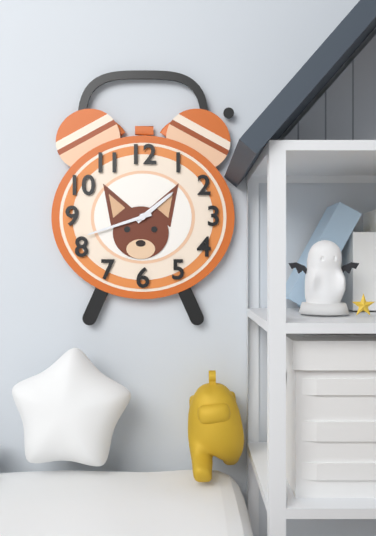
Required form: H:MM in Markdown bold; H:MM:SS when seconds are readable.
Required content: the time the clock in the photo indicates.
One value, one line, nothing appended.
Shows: **1:42**
